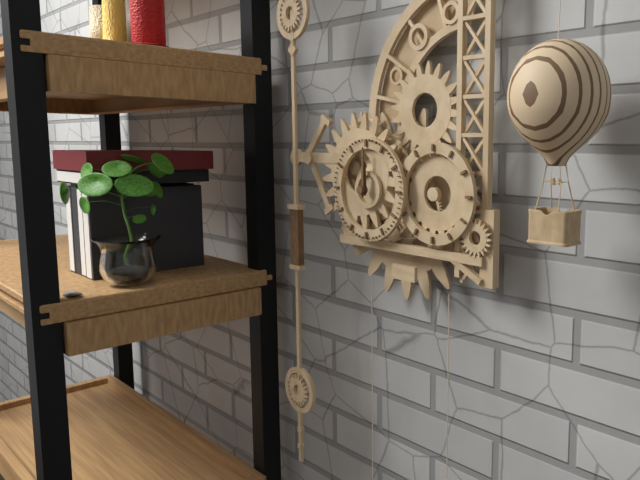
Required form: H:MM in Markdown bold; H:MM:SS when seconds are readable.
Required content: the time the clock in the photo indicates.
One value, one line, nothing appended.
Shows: **12:00**
